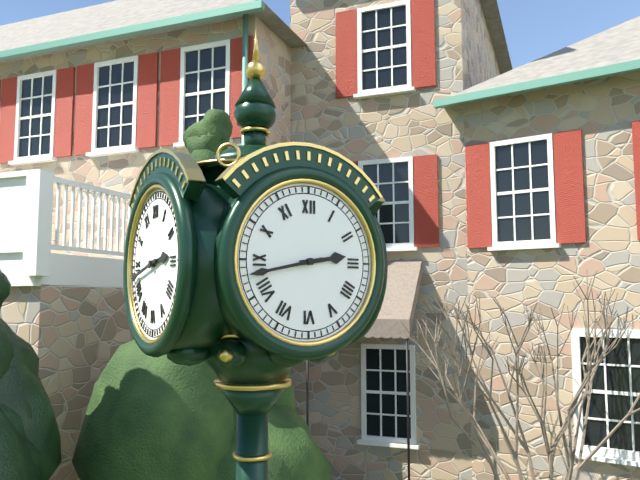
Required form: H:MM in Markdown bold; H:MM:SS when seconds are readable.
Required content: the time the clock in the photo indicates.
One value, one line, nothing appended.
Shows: **2:43**
